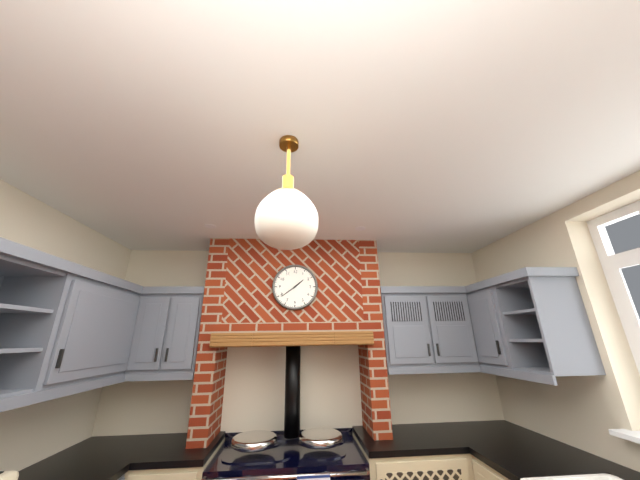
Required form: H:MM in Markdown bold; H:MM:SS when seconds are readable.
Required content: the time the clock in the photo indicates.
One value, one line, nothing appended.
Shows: **1:39**
